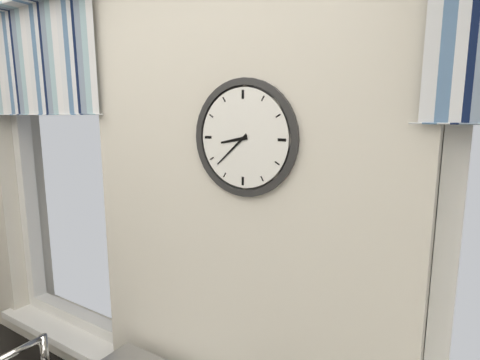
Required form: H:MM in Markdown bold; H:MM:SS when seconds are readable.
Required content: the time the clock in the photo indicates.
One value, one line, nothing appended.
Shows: **8:38**
